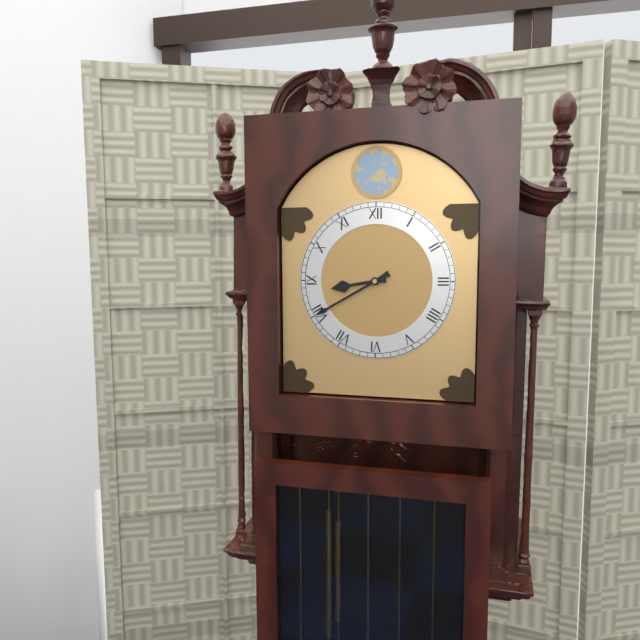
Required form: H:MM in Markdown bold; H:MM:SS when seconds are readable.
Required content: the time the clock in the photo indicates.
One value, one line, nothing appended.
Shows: **8:40**
